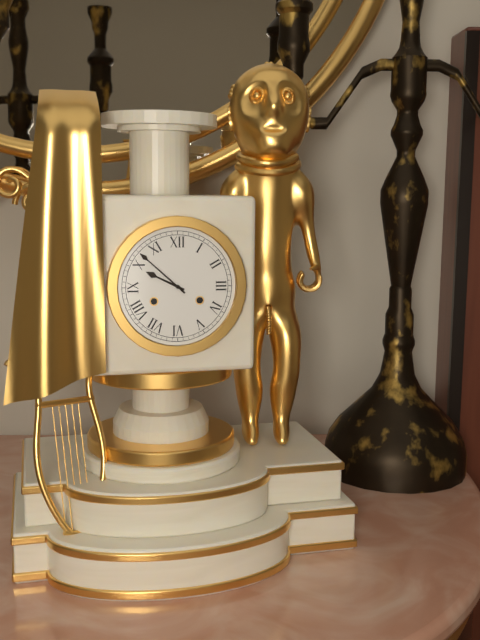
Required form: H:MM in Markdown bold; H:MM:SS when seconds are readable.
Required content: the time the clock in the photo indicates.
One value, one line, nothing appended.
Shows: **9:52**
